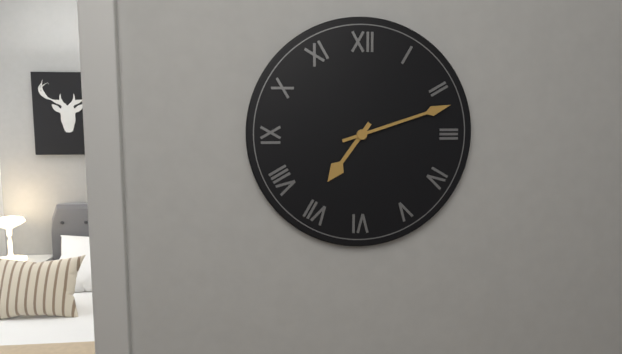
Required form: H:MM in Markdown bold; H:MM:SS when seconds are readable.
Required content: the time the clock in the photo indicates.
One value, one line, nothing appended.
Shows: **7:12**
